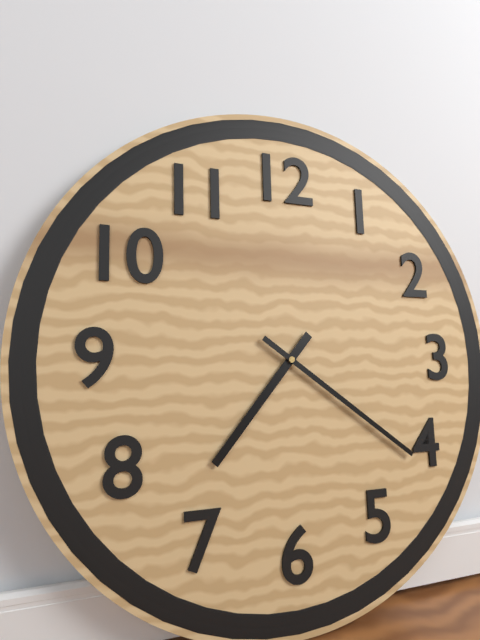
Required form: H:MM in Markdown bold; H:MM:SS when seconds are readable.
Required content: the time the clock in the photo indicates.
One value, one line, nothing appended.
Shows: **7:21**
